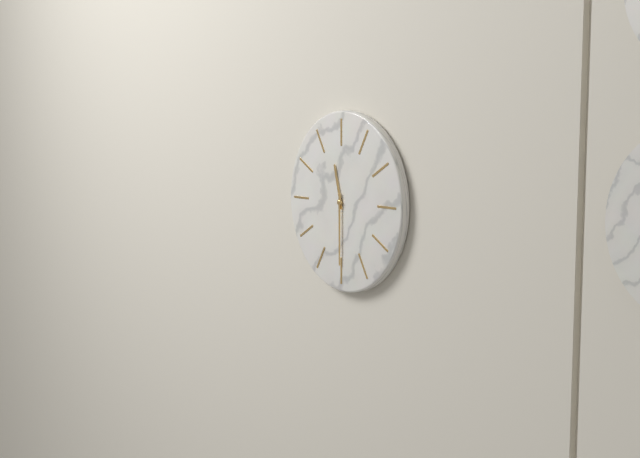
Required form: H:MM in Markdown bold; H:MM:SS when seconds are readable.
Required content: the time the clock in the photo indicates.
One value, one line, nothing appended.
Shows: **11:30**
